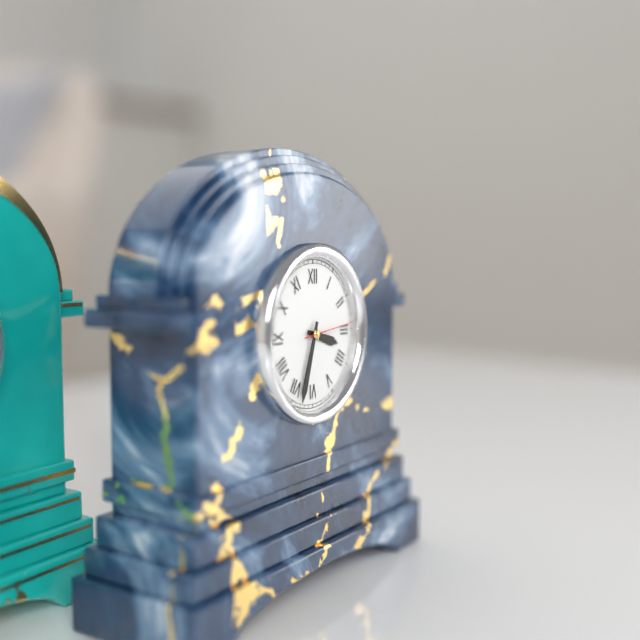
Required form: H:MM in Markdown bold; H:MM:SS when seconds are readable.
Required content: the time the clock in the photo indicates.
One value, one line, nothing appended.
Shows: **3:33:14**
